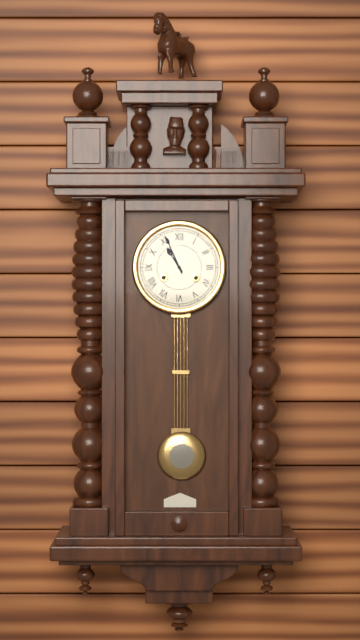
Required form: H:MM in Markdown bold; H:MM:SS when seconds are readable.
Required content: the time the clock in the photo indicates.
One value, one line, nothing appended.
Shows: **10:56**
